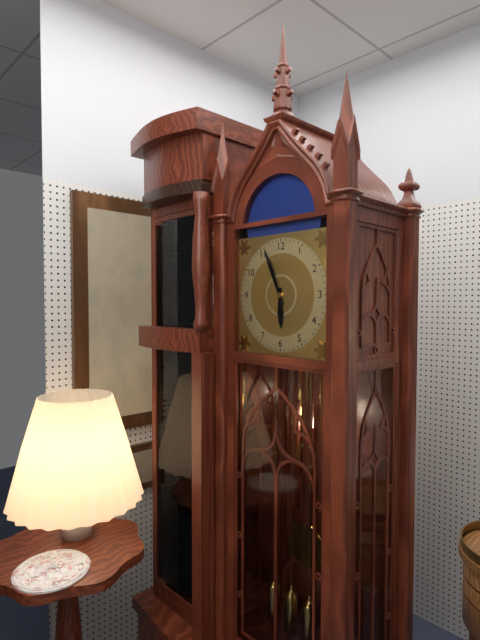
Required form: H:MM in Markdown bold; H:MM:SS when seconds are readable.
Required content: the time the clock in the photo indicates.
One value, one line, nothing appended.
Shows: **5:56**
